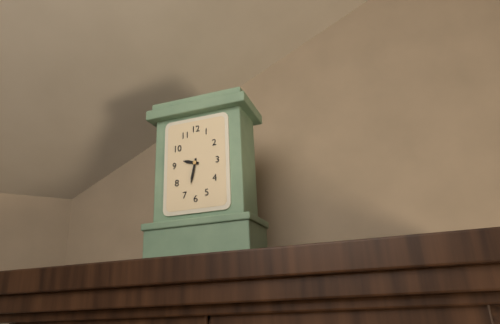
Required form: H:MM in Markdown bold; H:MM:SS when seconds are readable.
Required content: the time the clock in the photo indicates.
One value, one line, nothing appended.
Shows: **9:32**
